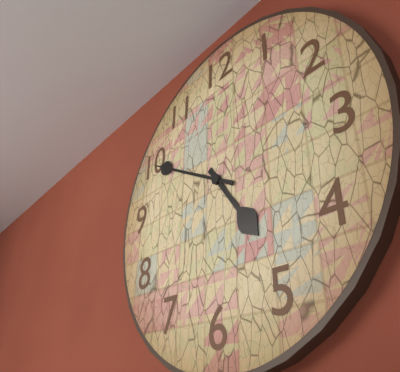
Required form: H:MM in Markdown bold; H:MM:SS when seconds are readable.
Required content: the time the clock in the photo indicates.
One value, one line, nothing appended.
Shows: **4:50**
